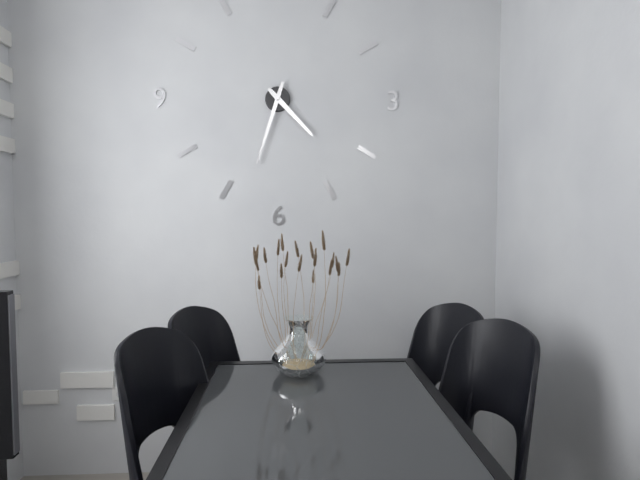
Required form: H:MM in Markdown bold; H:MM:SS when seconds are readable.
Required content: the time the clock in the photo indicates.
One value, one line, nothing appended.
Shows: **4:33**
